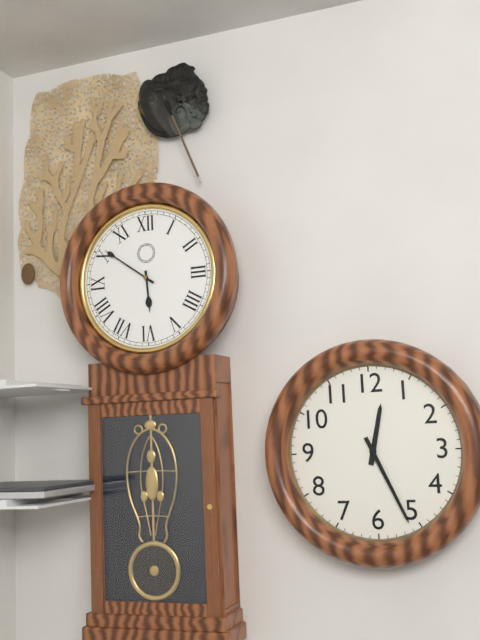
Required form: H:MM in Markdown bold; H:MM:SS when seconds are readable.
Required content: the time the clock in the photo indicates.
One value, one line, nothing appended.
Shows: **5:51**
